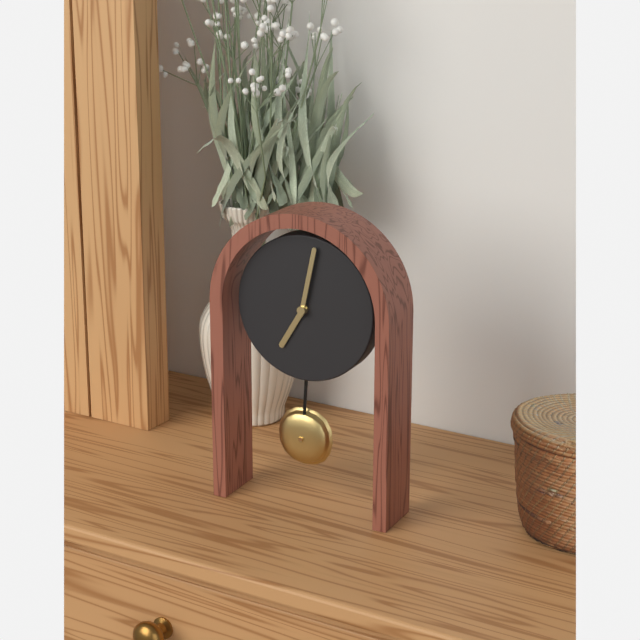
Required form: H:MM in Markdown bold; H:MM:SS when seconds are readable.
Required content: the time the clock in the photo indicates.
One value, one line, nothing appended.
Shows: **7:02**
